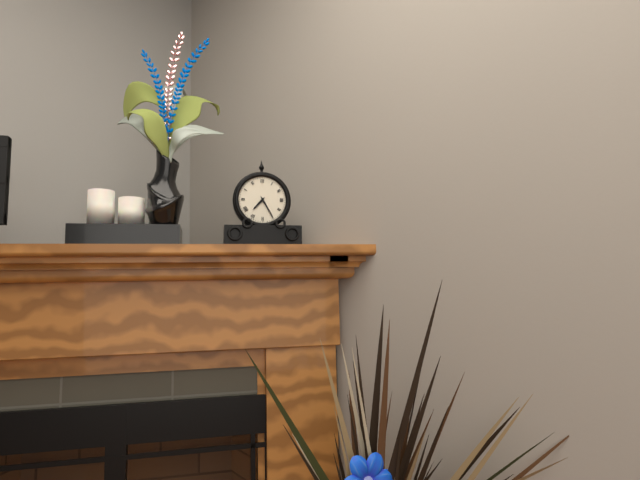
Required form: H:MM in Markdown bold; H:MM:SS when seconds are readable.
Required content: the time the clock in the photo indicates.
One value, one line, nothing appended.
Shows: **7:25**
